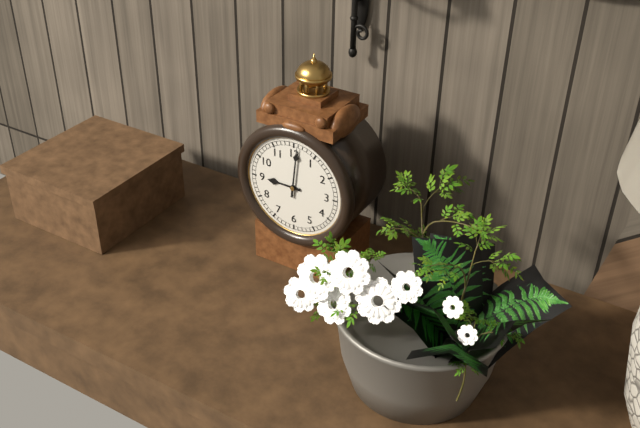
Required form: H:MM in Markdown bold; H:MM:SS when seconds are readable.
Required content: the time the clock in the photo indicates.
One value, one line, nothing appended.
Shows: **9:01**
